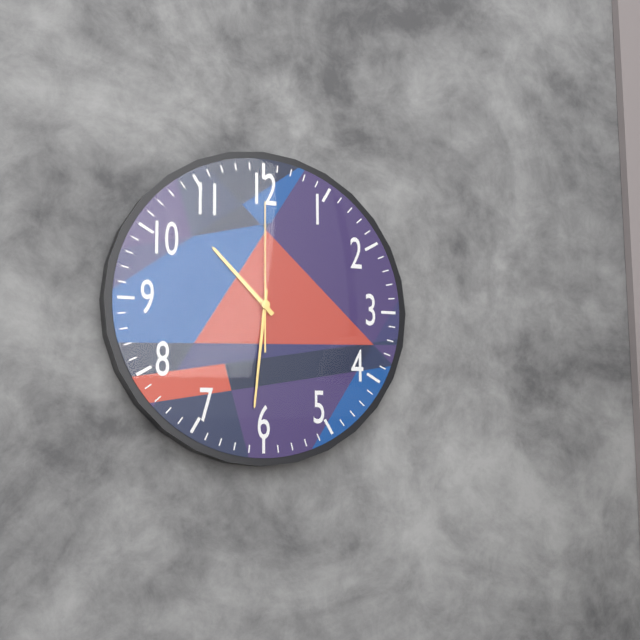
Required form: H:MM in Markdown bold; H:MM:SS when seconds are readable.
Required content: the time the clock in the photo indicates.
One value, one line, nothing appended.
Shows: **10:31:00**
